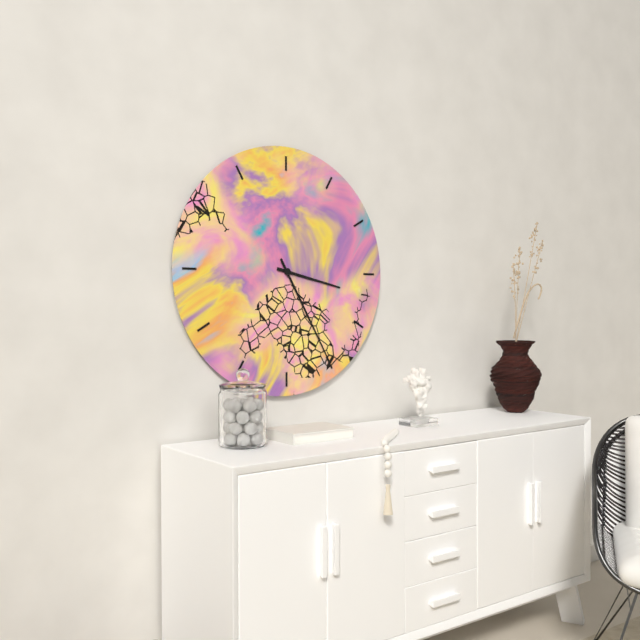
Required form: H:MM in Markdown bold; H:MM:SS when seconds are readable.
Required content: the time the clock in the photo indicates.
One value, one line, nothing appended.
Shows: **3:25**
